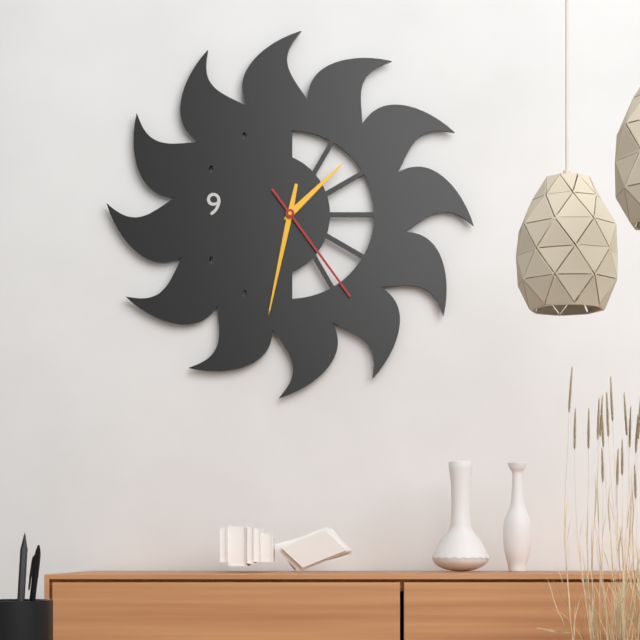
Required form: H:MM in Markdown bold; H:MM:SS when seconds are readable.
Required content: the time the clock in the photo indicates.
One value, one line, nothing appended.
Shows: **1:32:24**
